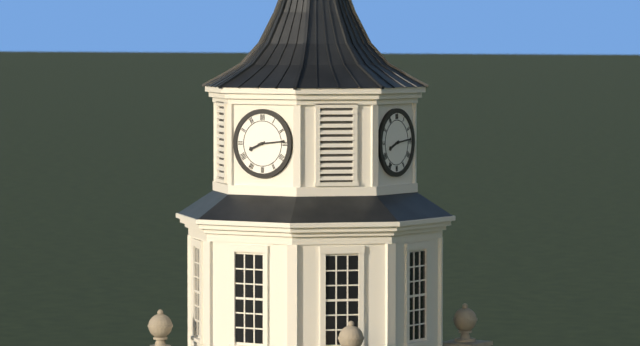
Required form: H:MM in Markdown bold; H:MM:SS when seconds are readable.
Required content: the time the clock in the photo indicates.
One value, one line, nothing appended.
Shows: **8:14**
